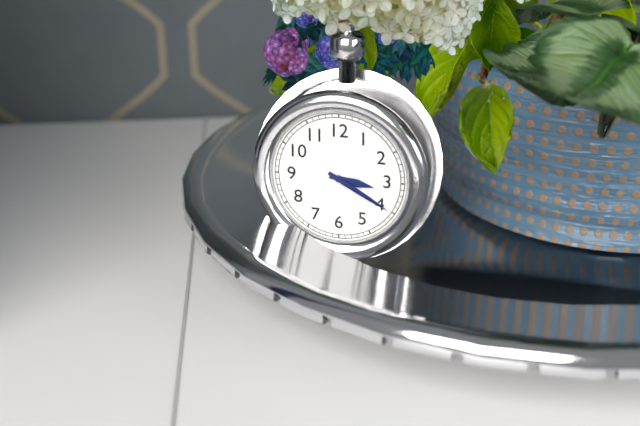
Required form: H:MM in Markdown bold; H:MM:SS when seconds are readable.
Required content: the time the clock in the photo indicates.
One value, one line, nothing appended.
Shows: **3:20**
